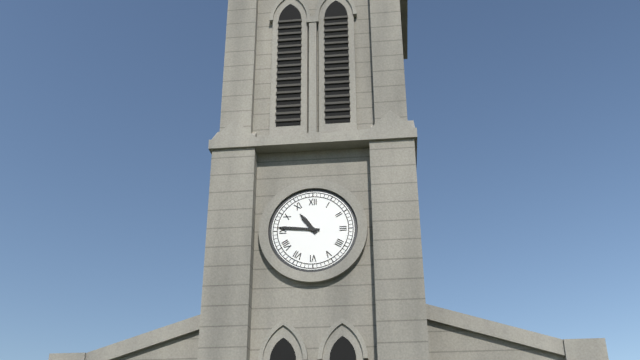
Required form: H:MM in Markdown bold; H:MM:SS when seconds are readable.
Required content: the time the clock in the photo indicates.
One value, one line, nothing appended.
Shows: **10:46**
